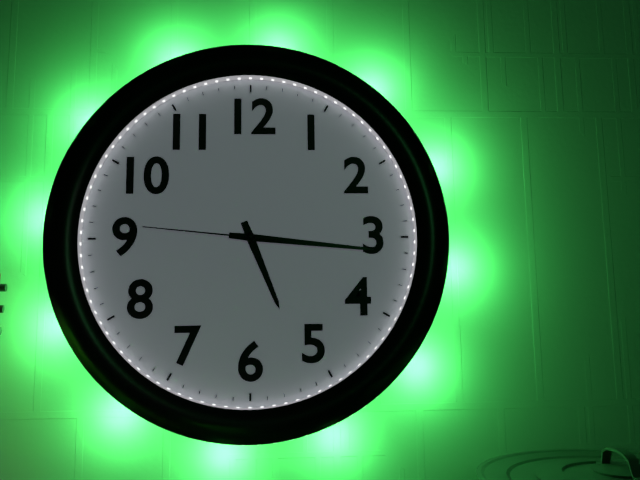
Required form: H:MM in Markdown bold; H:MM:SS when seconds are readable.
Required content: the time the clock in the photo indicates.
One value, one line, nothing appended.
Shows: **5:16:46**
